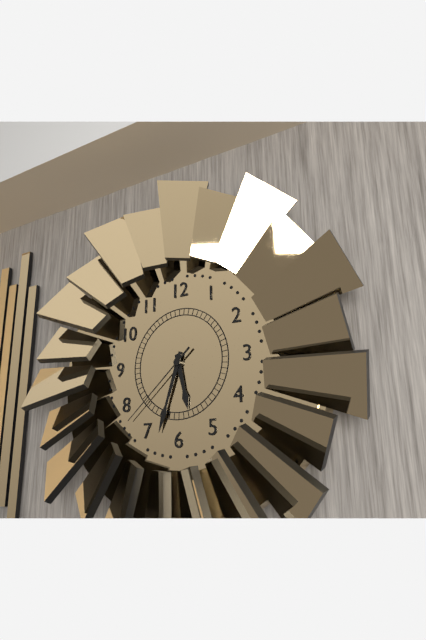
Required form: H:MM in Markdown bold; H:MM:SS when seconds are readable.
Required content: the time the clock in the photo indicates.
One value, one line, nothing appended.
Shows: **5:33:38**
